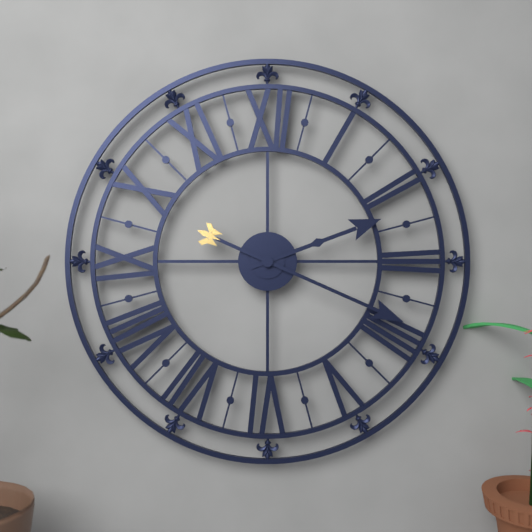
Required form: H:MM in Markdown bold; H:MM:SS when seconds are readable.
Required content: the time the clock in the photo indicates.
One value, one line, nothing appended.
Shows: **2:19**
